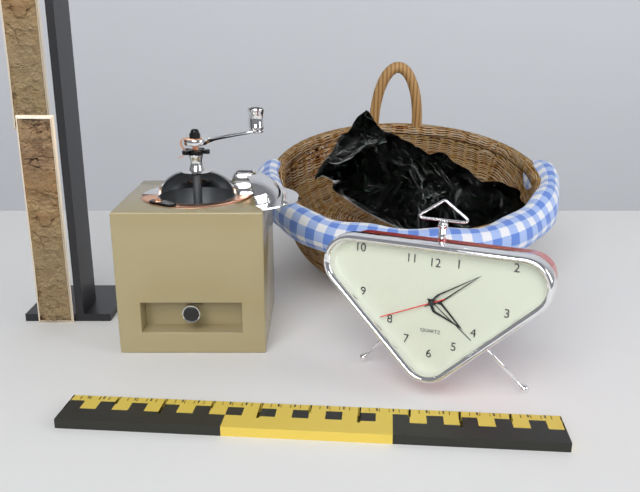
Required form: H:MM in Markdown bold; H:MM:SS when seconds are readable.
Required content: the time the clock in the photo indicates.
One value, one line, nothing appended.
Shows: **4:09:41**
